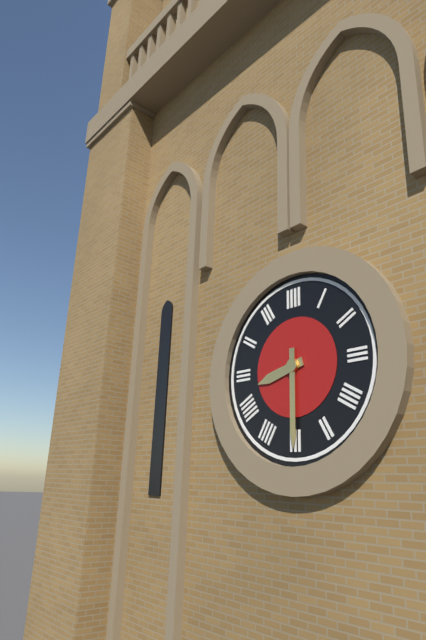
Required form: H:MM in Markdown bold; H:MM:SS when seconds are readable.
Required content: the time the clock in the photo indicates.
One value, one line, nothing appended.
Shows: **8:30**
